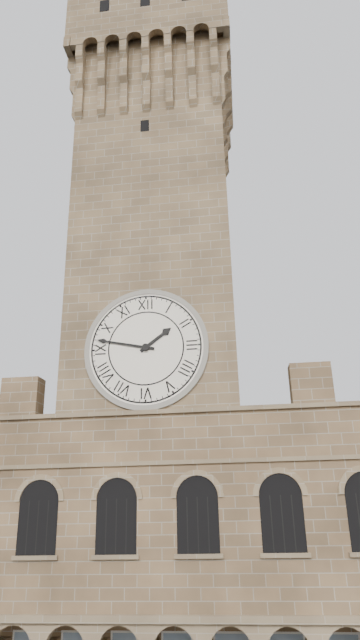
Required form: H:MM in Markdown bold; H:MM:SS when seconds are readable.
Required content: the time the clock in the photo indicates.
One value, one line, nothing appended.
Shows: **1:47**
